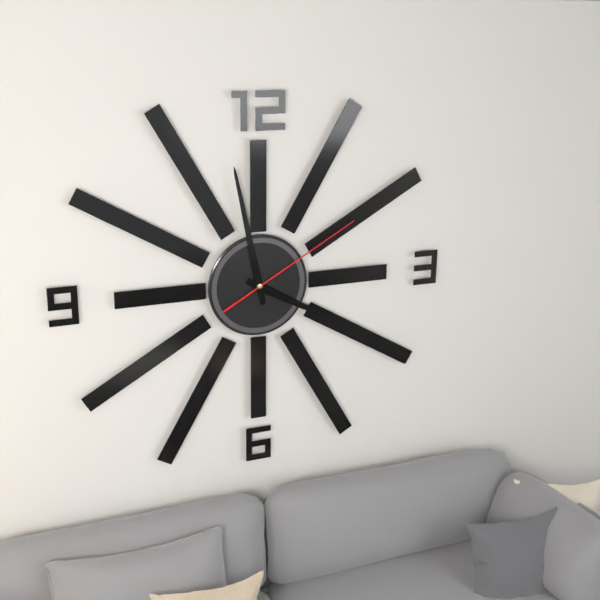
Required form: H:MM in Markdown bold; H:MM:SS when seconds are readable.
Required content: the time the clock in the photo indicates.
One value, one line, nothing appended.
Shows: **3:58:10**
